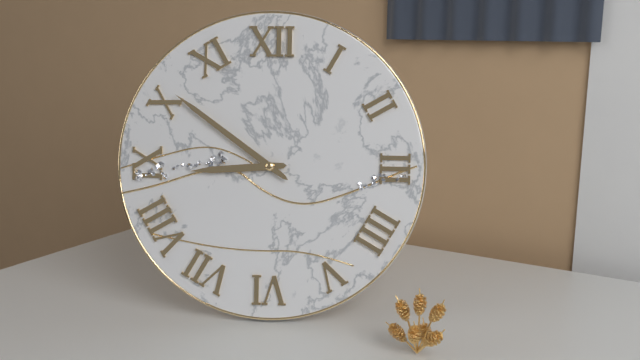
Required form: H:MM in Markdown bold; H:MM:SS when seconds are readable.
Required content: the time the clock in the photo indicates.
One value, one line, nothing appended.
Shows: **8:51**
